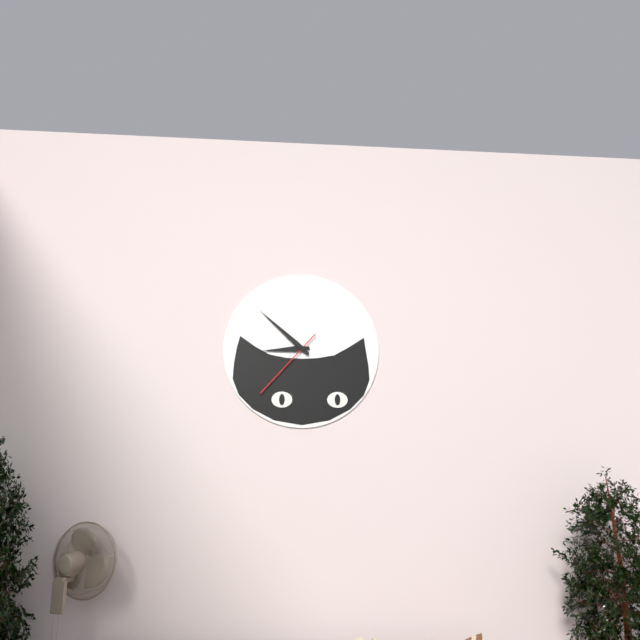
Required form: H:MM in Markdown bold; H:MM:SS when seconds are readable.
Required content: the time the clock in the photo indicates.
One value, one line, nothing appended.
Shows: **8:52:37**
